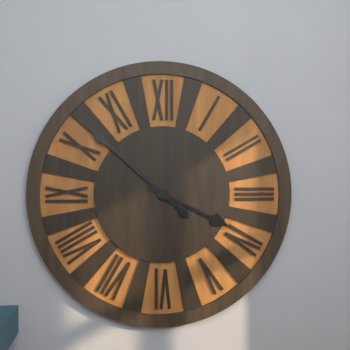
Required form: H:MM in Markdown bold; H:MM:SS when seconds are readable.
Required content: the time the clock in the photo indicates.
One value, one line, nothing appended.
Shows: **3:52**
